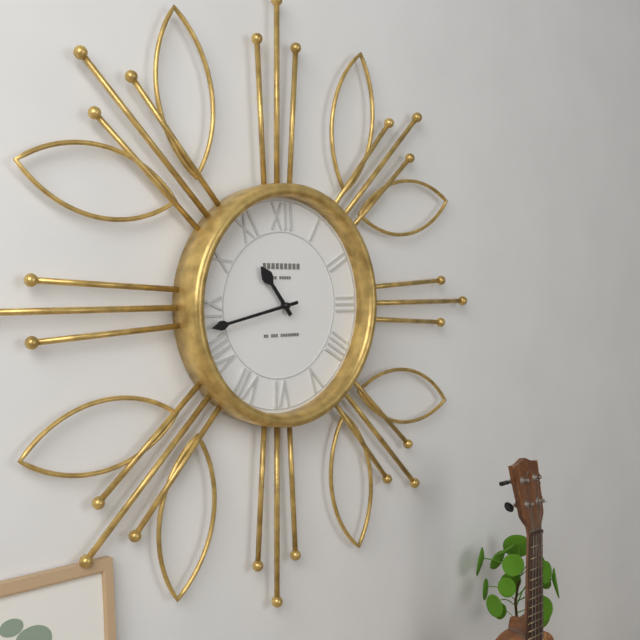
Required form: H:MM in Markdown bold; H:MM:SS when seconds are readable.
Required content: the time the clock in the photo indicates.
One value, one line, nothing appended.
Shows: **10:43**
